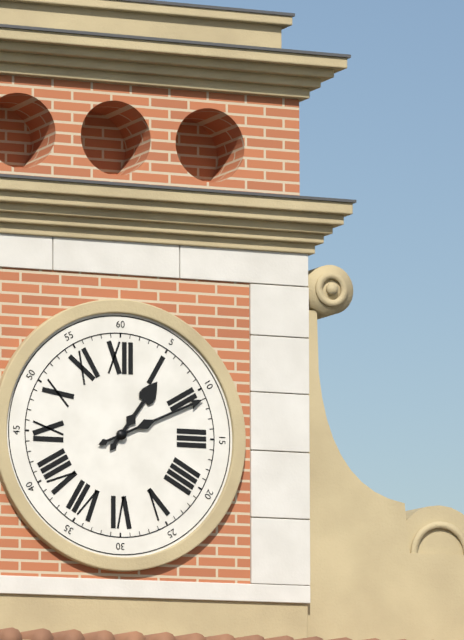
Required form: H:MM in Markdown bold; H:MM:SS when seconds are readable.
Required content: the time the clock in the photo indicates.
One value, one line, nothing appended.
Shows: **1:11**
